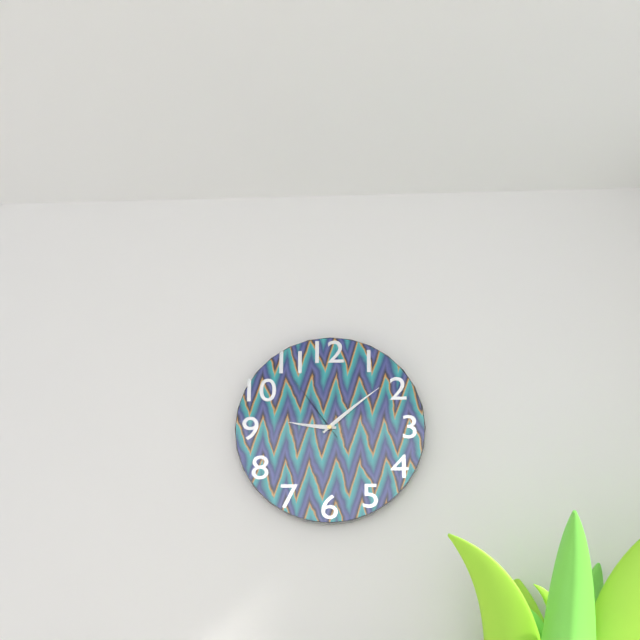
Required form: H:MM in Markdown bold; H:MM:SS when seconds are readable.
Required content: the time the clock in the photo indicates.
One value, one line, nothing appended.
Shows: **9:08:54**
